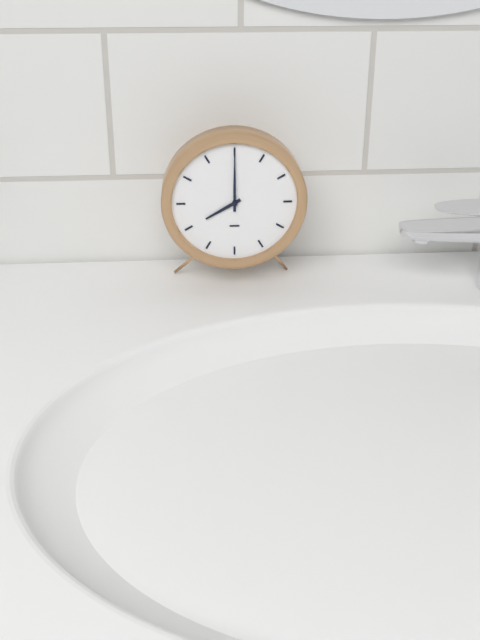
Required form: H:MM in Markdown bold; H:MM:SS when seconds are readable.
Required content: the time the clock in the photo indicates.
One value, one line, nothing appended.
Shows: **8:00**
